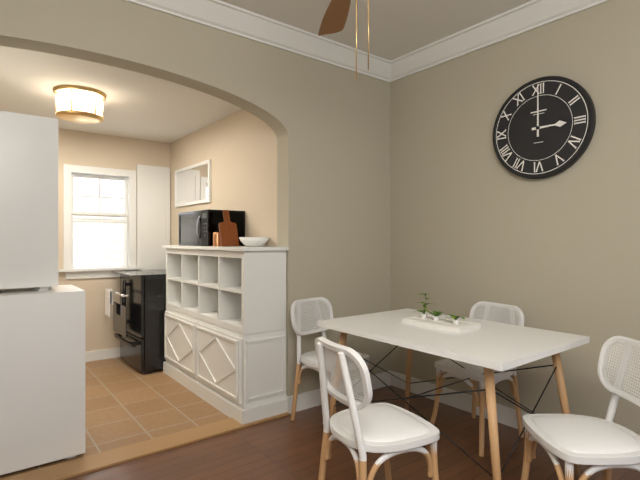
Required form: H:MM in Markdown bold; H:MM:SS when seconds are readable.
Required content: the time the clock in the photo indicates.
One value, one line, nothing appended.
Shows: **3:00**
